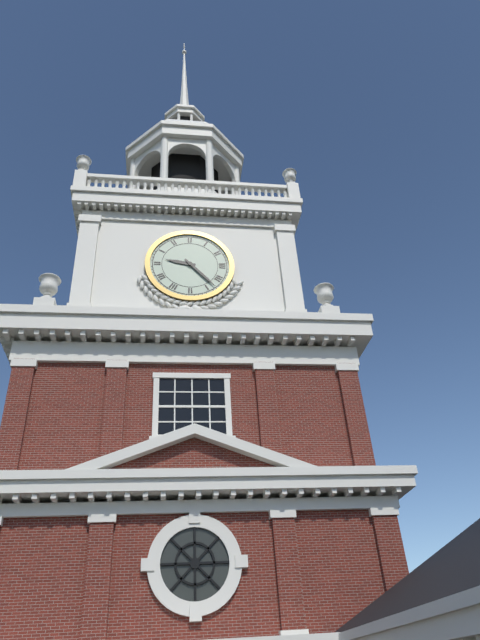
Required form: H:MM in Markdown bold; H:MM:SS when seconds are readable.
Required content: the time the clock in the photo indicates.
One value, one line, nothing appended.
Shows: **9:23**
